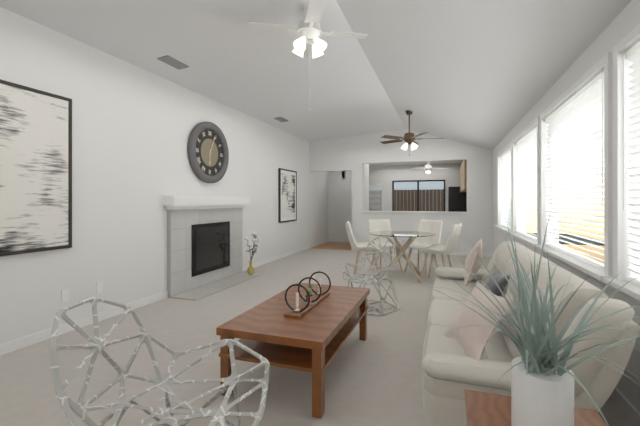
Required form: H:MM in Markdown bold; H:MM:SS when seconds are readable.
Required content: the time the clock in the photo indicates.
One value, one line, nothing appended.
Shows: **6:04**
